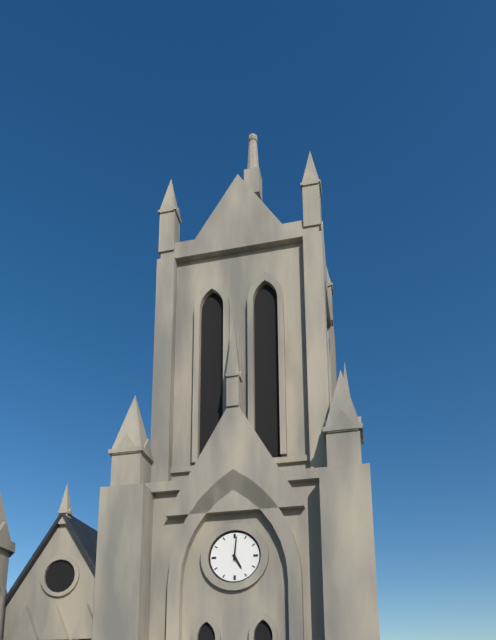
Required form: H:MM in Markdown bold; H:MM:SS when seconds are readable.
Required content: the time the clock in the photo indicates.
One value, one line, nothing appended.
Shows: **5:01**
